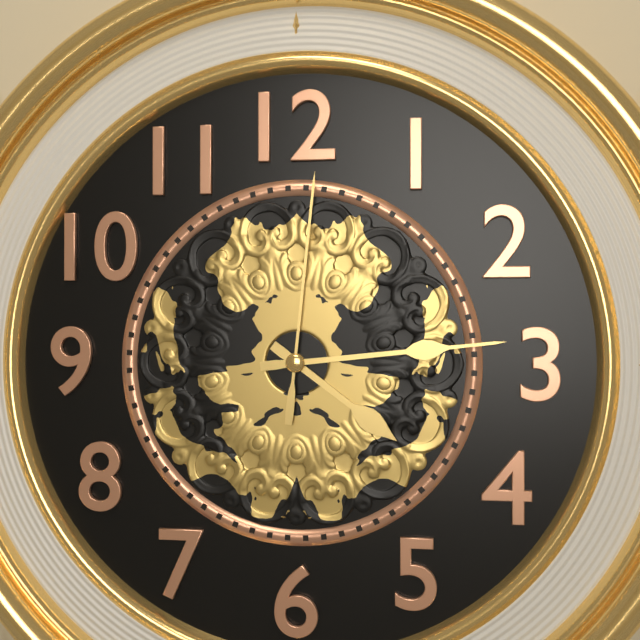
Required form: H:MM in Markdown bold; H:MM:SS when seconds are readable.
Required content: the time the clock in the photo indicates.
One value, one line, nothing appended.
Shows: **4:14:01**
